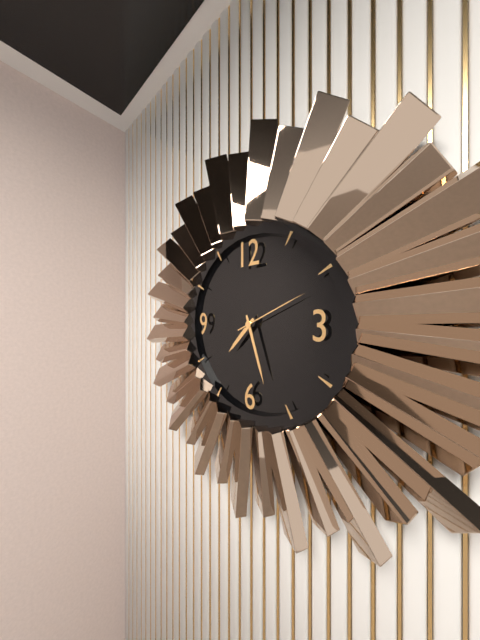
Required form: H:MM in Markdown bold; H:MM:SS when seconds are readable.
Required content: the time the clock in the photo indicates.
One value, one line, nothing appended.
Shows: **7:27:11**
